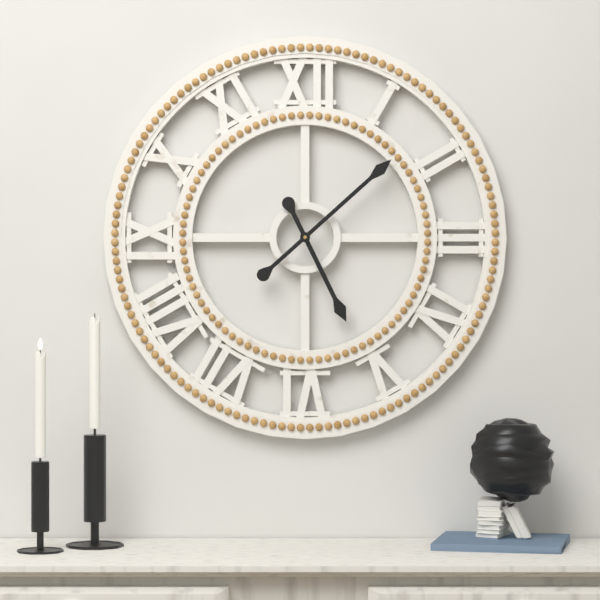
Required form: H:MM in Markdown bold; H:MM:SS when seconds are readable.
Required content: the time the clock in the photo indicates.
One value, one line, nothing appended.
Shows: **5:08**
